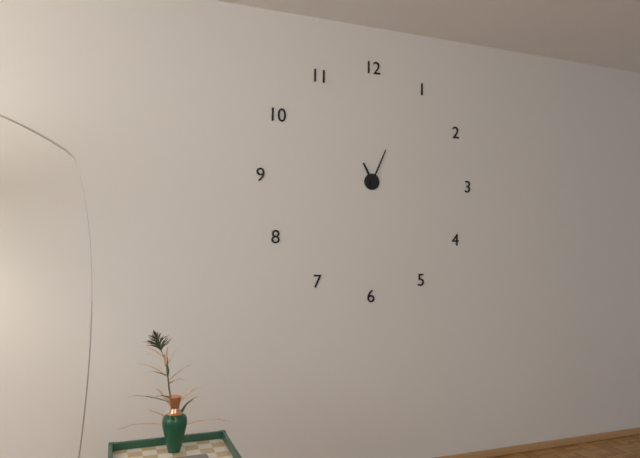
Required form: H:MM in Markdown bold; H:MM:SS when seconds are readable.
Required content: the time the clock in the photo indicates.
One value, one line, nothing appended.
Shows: **11:04**
